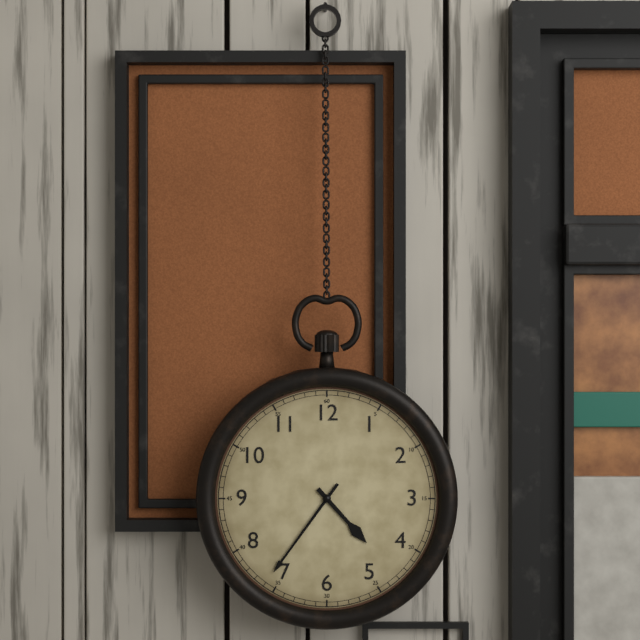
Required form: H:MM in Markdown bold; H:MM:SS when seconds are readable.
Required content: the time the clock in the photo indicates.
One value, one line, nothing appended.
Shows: **4:36**
